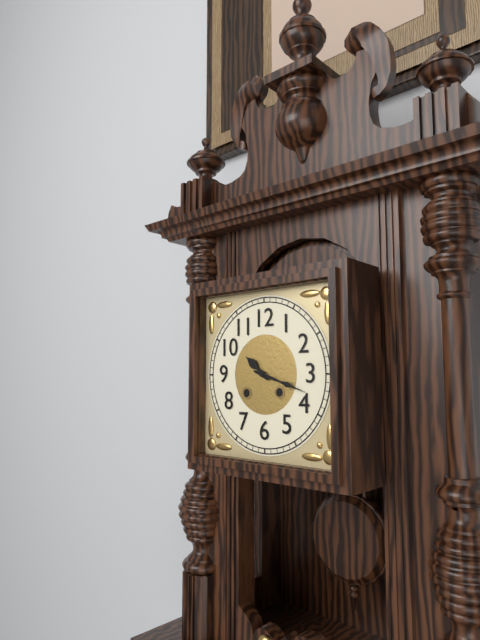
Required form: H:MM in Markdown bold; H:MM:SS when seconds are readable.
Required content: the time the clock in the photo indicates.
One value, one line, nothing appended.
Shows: **10:18**
